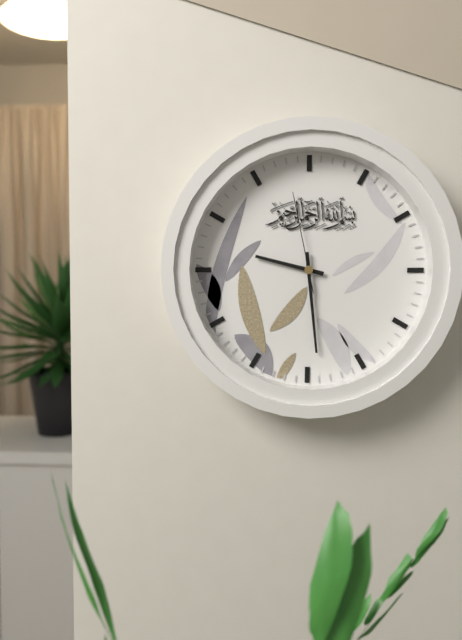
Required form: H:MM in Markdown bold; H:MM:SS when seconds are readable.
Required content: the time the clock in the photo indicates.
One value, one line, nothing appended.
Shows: **9:29:58**
